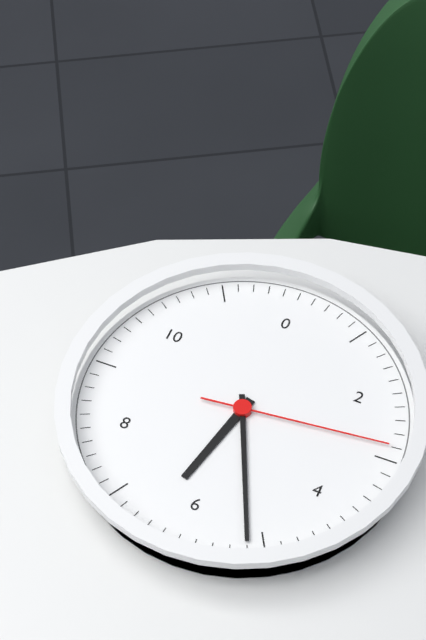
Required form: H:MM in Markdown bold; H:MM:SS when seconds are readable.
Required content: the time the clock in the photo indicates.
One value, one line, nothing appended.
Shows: **6:26:14**
